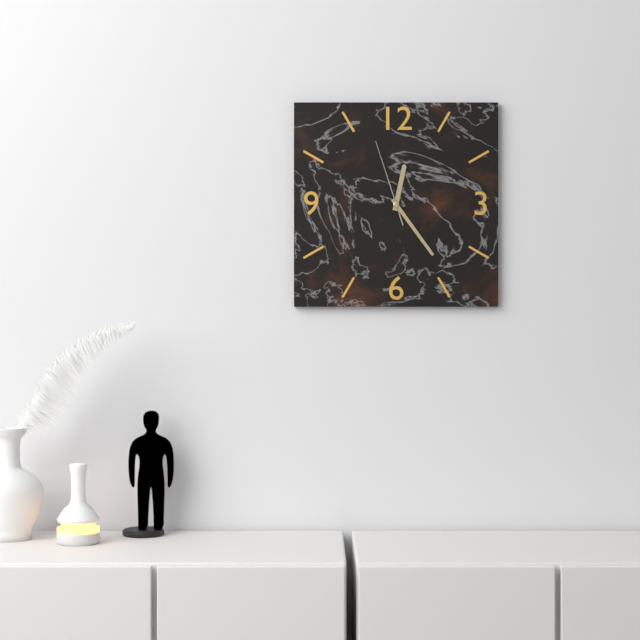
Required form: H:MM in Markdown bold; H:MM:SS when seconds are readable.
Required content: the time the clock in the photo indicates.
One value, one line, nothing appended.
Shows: **12:24:57**
